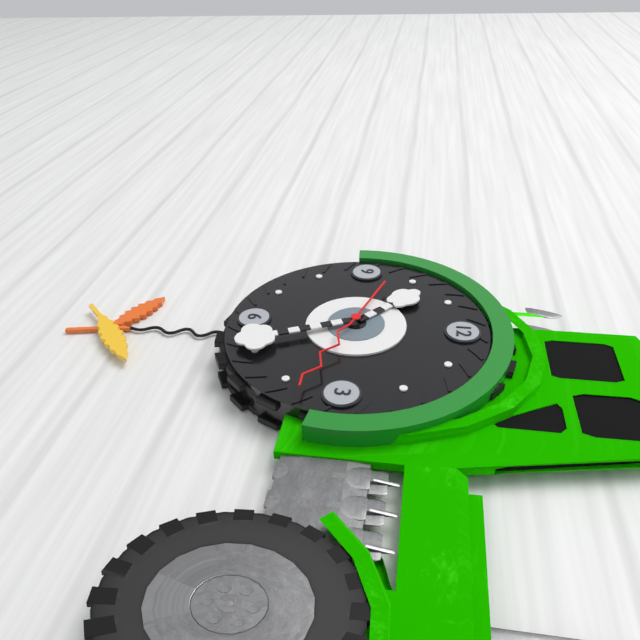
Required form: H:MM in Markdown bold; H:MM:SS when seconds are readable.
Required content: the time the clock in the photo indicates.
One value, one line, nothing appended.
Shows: **10:26:18**
